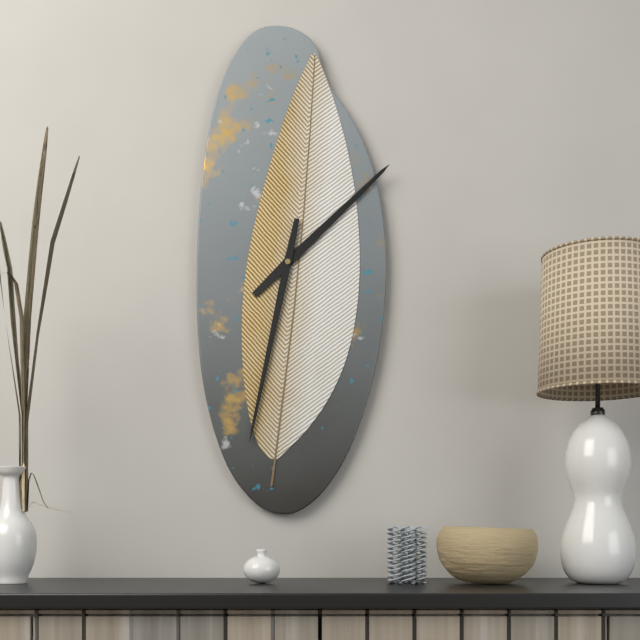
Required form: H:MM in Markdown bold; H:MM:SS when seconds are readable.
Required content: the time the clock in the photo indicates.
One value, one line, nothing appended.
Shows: **1:32**
